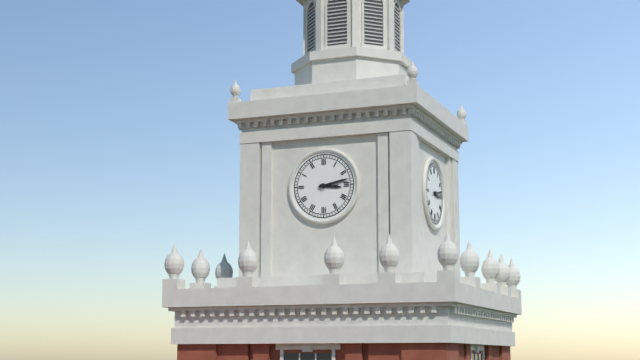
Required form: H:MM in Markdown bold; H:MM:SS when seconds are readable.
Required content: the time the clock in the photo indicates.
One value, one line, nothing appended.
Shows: **3:13**
